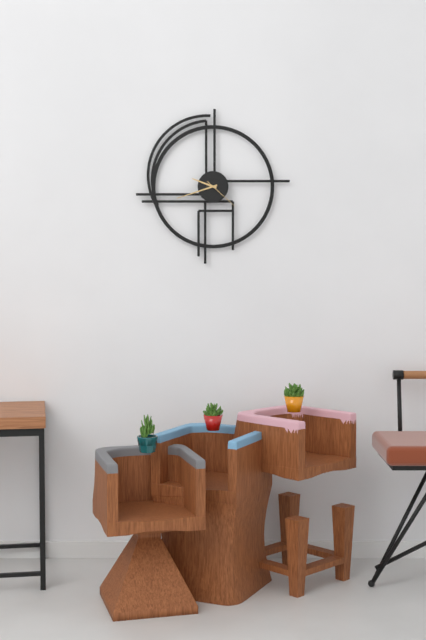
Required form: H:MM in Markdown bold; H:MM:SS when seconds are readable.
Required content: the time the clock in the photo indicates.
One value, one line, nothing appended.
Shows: **9:42**
